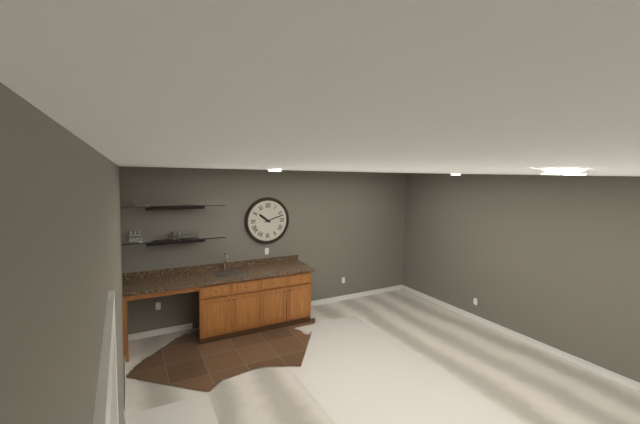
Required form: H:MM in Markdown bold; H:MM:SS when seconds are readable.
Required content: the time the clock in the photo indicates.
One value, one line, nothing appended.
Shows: **10:12**
